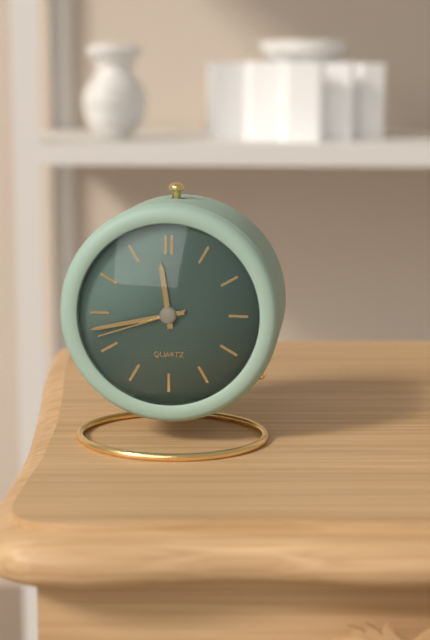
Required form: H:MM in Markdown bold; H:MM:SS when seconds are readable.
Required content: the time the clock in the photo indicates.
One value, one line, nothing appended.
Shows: **11:43:42**
